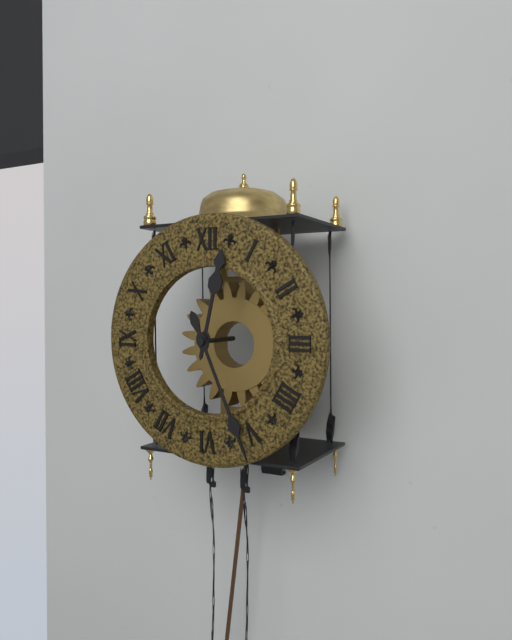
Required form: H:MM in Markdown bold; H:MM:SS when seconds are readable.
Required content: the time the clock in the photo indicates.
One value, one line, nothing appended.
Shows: **12:26**
